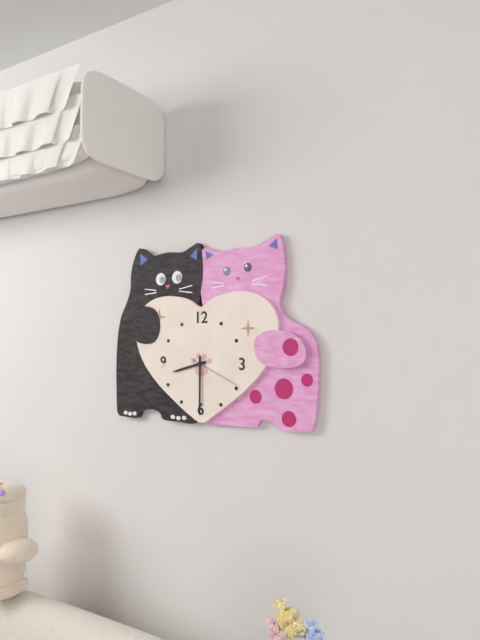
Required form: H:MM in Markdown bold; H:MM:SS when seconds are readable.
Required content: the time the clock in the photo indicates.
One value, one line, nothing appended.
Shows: **8:30**
